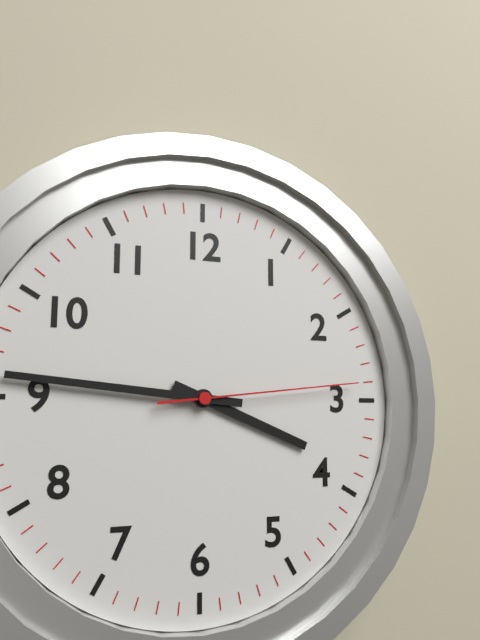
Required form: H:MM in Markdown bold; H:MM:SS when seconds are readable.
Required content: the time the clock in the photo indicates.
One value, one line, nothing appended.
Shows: **3:46:14**
